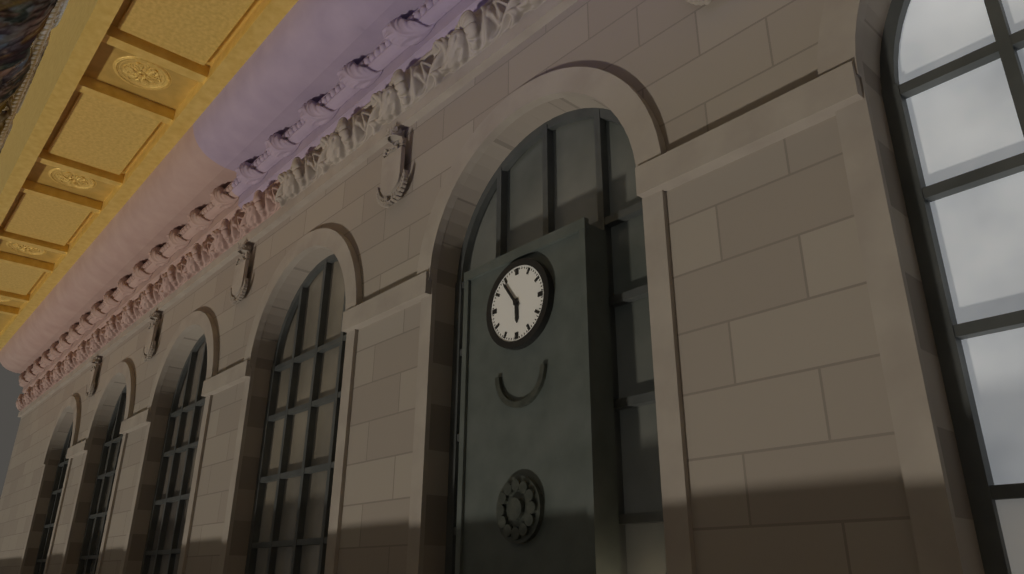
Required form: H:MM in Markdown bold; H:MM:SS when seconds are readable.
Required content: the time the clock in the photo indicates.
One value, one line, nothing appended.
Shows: **5:54**
